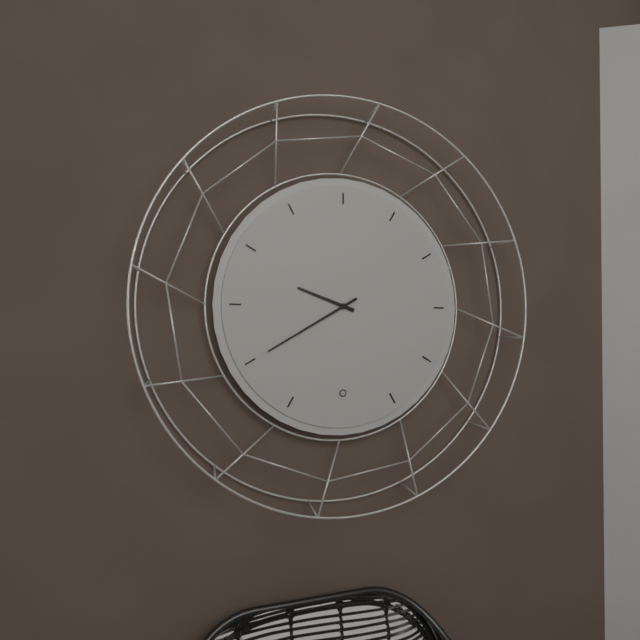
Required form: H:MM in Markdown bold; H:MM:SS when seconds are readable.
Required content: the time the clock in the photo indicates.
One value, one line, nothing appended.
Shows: **9:40**
